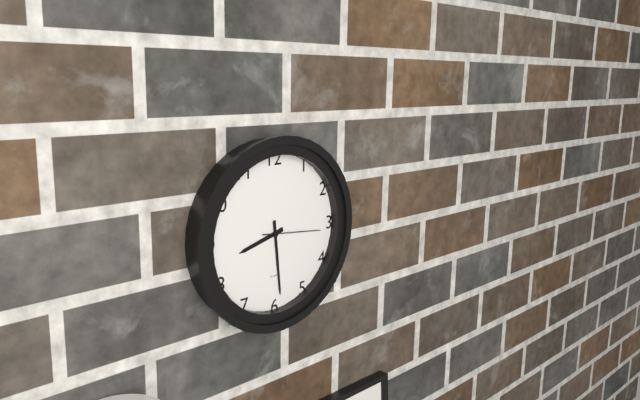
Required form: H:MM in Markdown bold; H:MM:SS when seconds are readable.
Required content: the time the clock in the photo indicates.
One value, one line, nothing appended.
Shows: **8:29:16**
